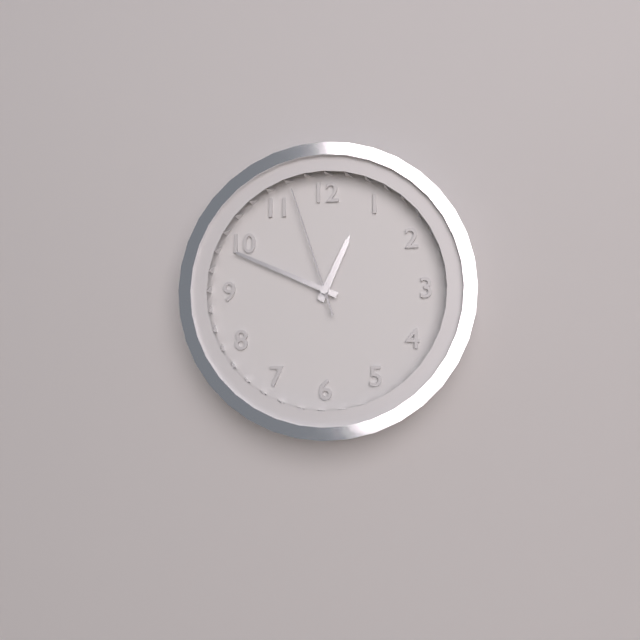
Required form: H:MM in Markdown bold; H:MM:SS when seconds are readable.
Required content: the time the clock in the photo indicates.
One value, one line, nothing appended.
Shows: **12:49:57**
